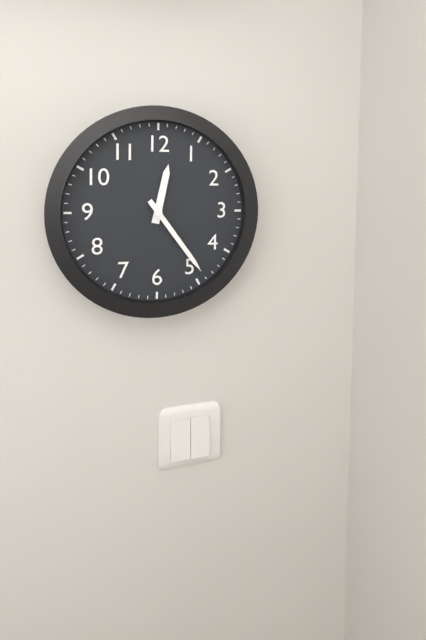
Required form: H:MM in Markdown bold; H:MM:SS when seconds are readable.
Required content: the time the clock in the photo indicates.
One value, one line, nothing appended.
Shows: **12:24**
